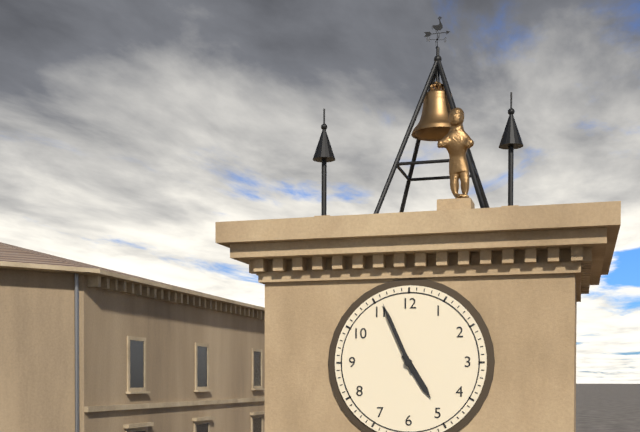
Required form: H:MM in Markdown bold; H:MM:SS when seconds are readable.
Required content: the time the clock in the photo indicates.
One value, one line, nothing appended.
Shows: **4:56**
